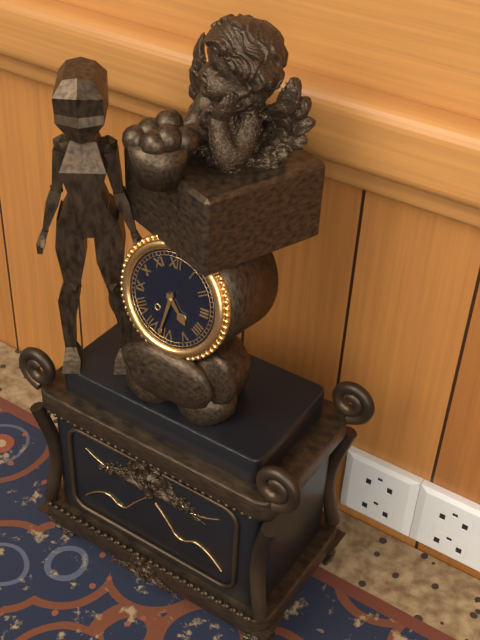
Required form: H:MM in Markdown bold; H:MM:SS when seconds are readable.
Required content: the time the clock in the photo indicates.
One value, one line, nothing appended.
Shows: **4:32**
